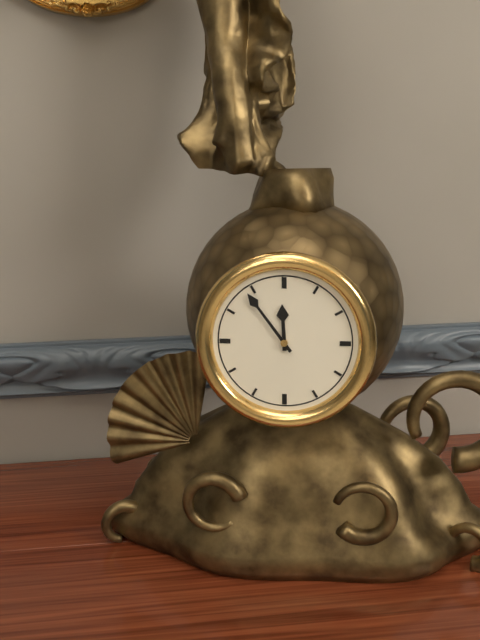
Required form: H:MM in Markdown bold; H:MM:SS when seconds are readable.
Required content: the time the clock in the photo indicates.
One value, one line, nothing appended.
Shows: **11:54**
